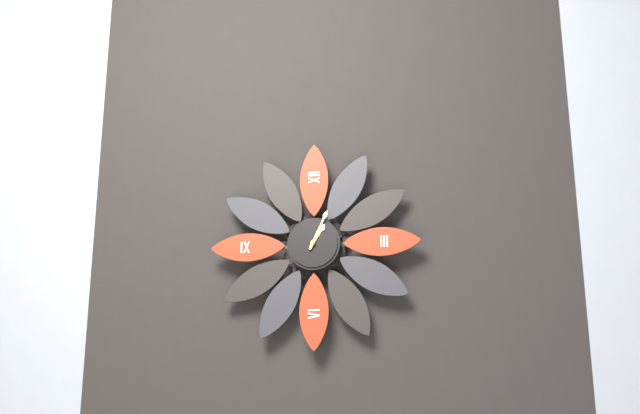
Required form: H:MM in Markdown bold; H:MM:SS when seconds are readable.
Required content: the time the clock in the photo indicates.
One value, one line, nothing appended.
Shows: **1:04**
